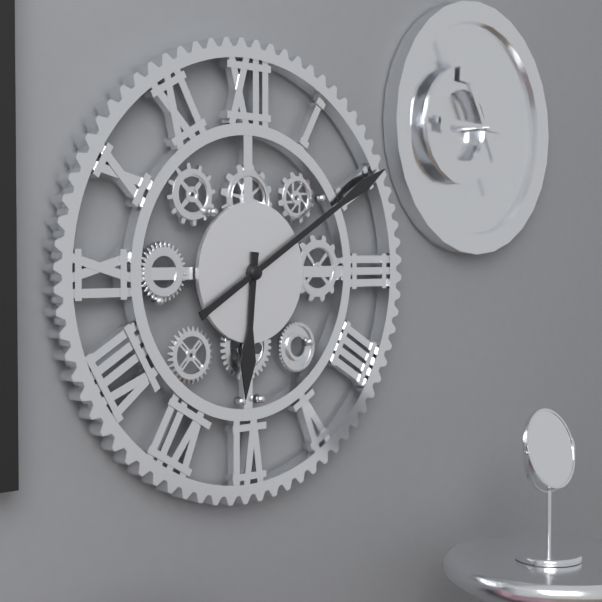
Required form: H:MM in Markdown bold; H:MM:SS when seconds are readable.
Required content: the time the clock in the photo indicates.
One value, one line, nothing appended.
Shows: **6:10**
